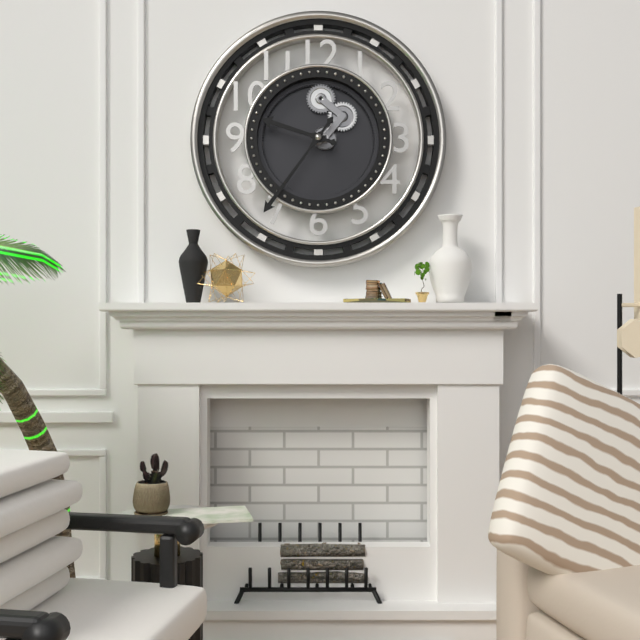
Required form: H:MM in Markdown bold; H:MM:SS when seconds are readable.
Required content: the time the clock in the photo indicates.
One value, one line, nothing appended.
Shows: **9:36**
